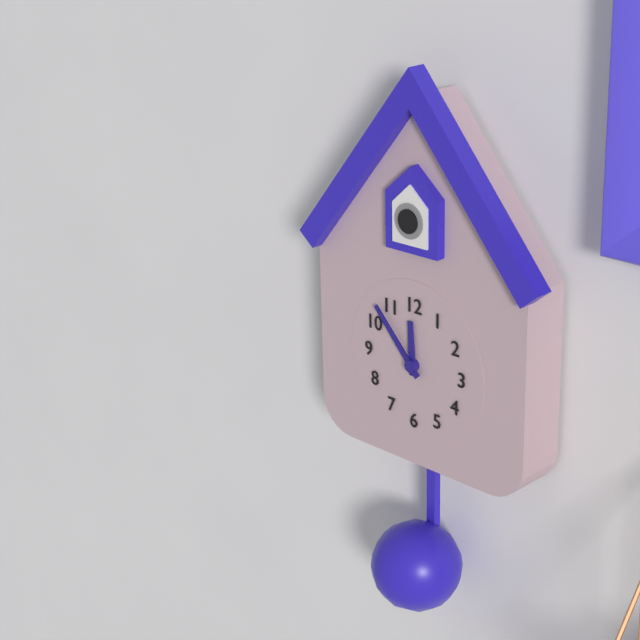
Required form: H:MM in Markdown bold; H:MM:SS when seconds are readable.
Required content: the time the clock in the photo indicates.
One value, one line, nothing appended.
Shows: **11:53**
